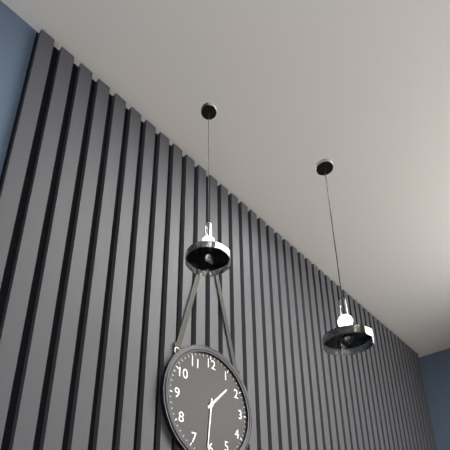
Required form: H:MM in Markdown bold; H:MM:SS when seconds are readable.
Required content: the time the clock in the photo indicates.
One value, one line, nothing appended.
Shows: **1:31**
